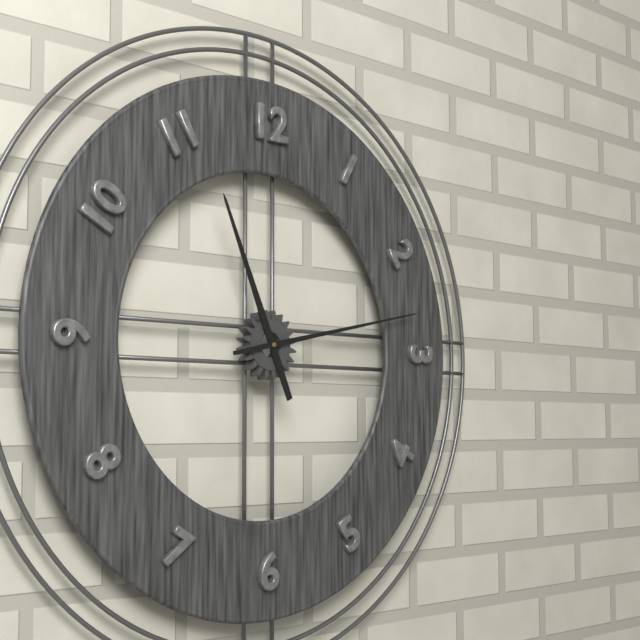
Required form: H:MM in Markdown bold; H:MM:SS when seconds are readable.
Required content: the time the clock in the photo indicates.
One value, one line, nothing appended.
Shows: **11:13**
